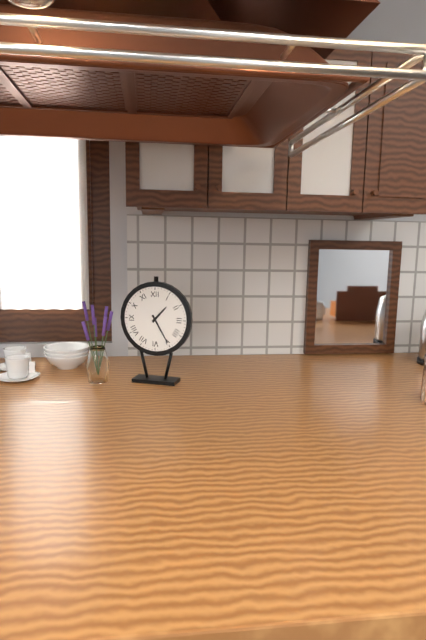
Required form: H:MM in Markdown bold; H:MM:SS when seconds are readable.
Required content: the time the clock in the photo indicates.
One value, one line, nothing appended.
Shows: **1:25**
